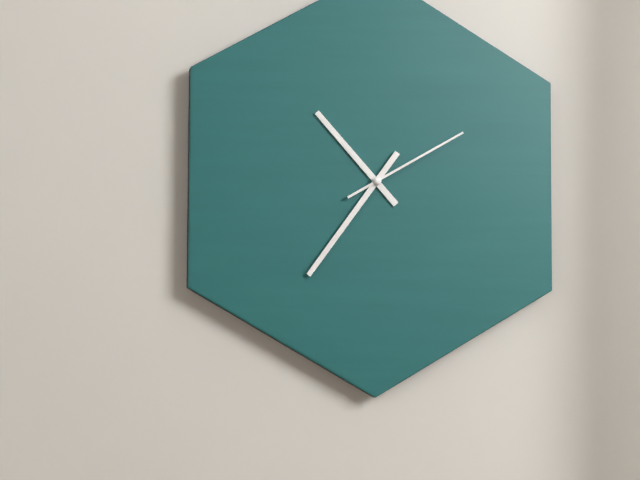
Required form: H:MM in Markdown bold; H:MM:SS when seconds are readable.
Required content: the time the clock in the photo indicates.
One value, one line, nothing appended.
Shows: **10:36:10**
